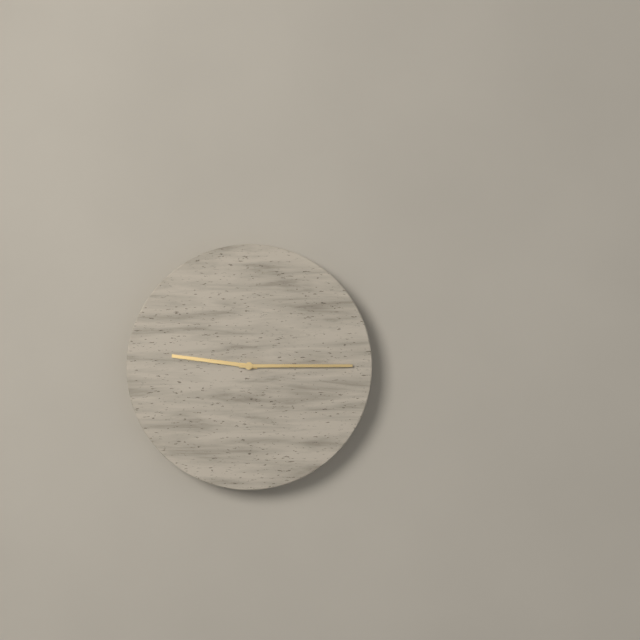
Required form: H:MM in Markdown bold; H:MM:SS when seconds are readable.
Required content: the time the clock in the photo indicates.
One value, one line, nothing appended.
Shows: **9:15**
